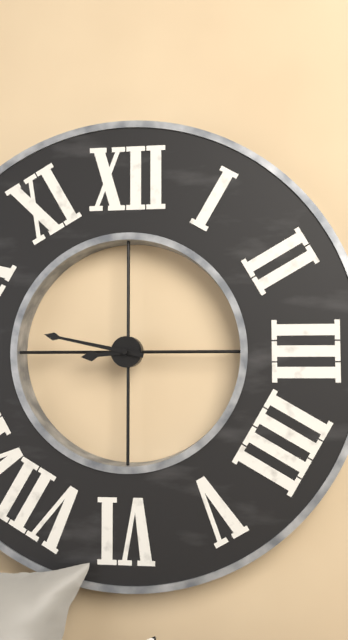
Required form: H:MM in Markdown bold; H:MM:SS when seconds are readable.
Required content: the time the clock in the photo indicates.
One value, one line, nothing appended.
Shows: **8:47**
